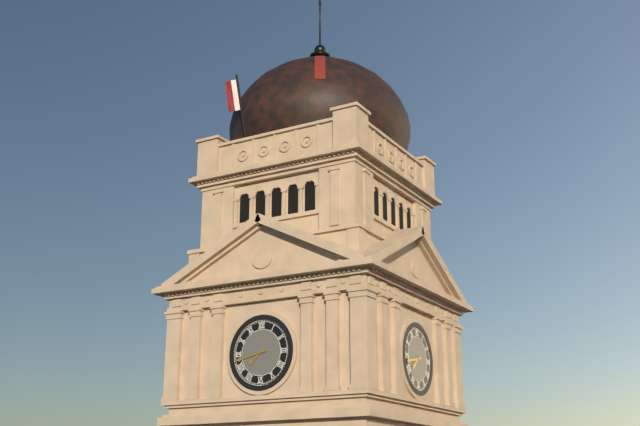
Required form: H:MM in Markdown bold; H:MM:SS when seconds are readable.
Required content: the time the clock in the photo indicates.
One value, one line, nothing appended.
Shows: **7:43**
